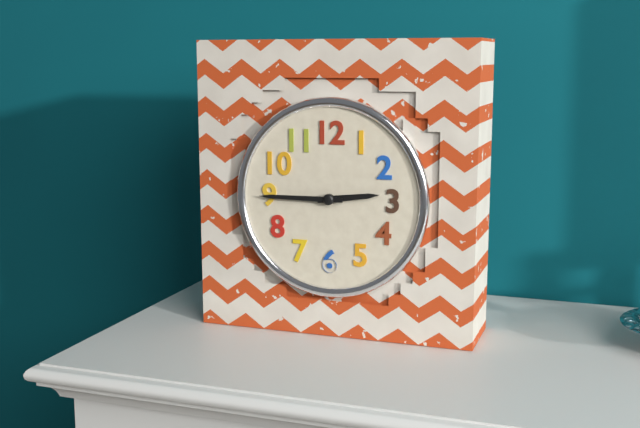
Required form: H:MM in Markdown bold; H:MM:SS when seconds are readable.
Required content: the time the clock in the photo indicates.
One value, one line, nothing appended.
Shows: **2:45**
